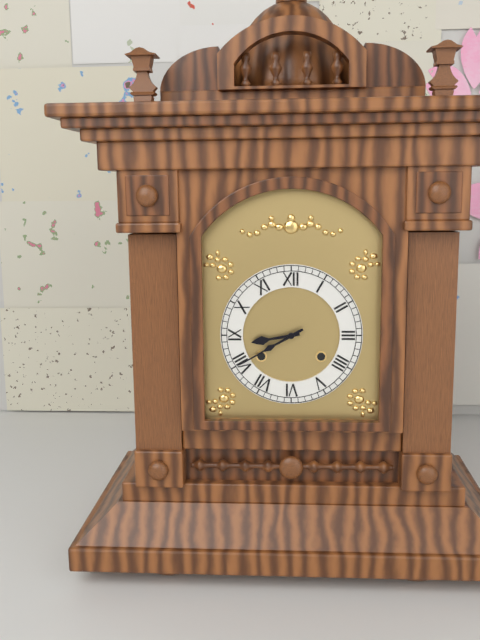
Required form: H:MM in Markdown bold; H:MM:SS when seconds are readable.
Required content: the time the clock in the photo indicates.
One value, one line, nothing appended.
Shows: **8:40**
